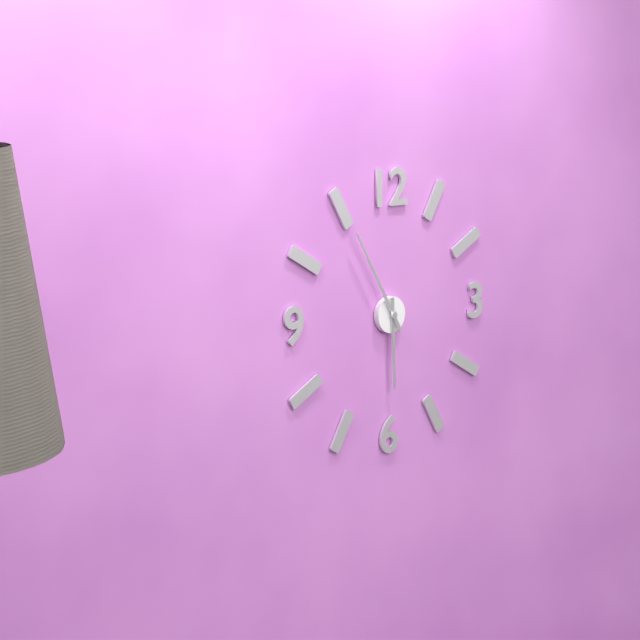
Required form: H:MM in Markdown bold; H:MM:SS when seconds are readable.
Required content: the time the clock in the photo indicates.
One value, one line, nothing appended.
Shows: **5:55**
